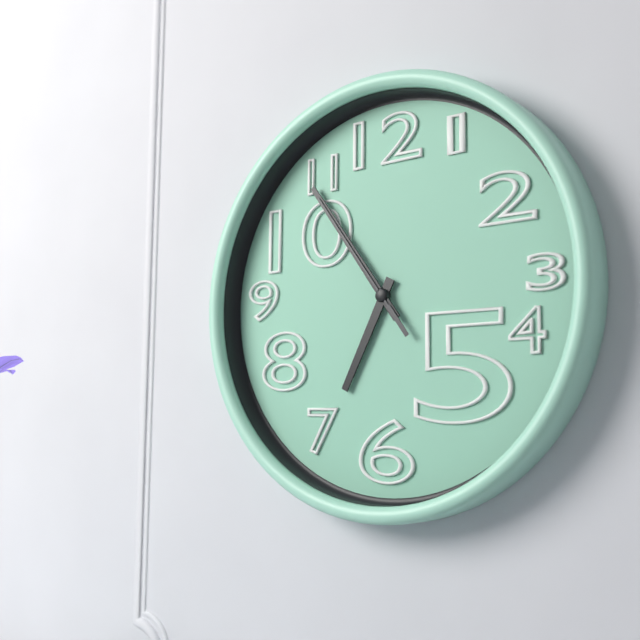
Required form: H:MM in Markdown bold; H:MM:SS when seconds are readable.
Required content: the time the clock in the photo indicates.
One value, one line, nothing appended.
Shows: **6:54:54**
